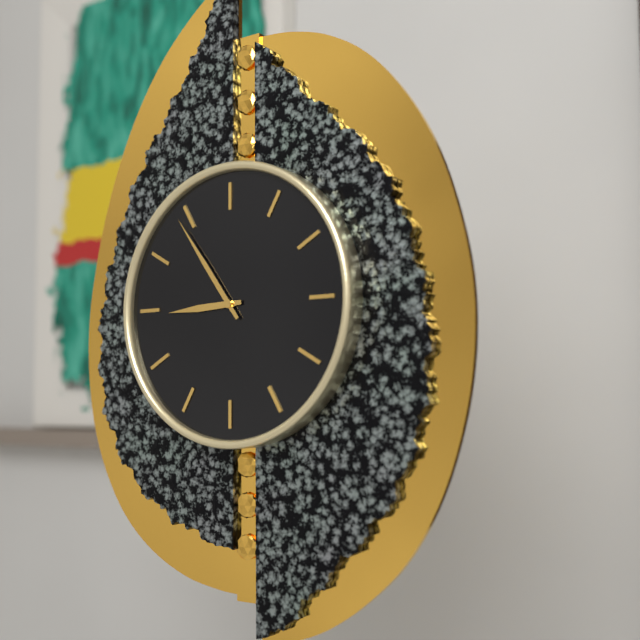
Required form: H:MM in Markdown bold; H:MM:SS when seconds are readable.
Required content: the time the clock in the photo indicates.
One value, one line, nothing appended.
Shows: **8:54**
